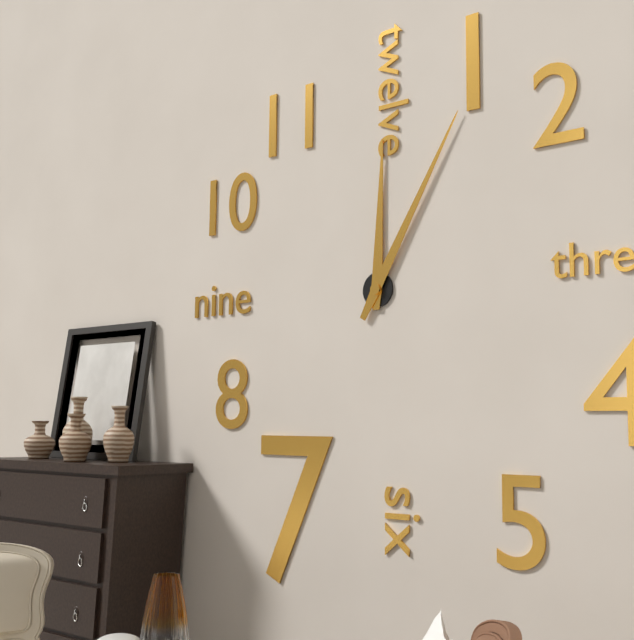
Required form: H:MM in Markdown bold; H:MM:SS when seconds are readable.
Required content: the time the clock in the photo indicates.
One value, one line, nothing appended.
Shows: **12:05**
